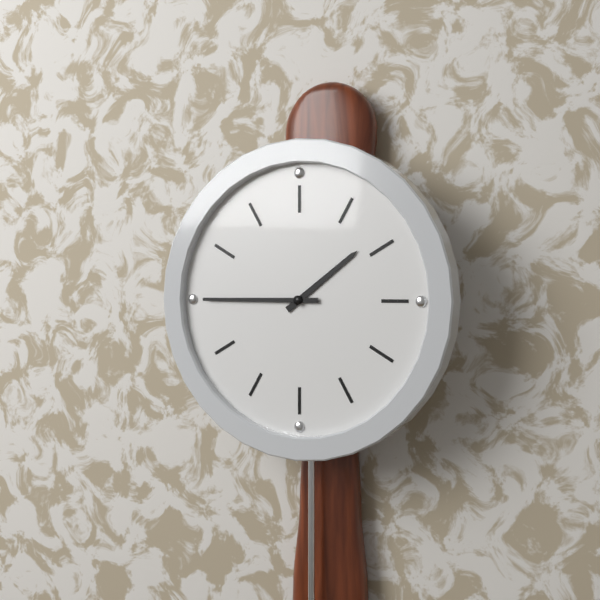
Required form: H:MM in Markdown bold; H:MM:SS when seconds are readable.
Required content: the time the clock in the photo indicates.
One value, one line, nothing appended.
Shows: **1:45**
